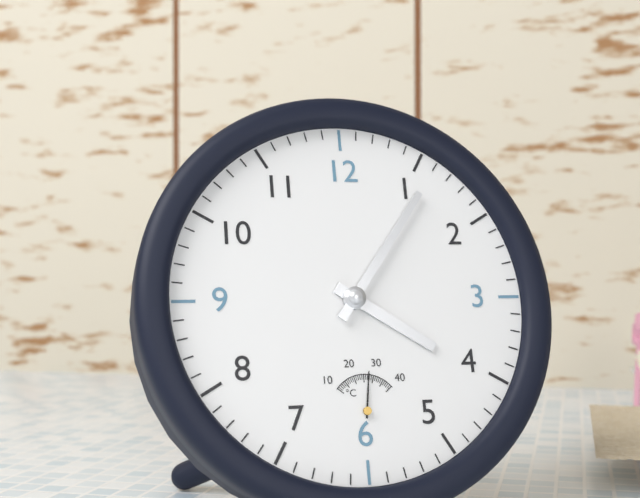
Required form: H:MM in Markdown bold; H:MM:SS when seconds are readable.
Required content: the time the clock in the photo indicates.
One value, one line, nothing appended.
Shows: **4:06**
